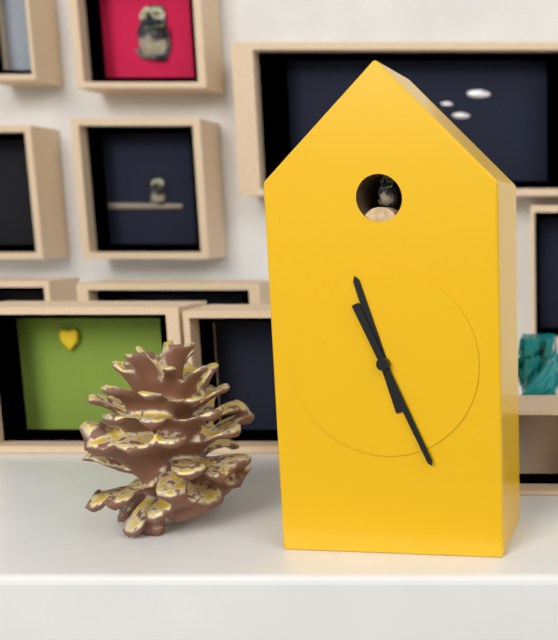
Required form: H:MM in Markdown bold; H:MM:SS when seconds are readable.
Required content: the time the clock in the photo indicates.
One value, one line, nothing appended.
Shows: **11:26**
